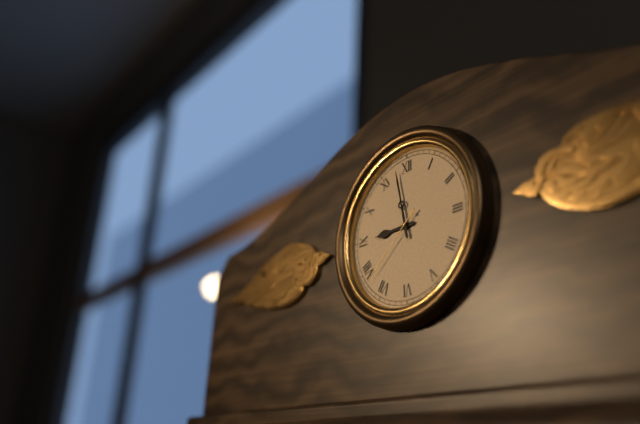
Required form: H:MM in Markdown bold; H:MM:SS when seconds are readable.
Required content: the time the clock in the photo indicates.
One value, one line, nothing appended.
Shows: **8:58:38**
